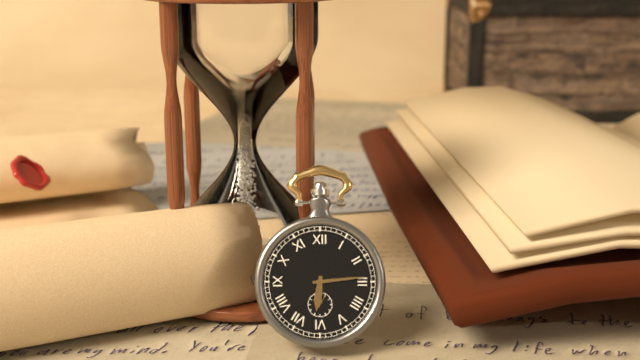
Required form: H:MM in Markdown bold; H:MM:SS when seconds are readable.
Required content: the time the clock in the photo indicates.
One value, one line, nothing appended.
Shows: **6:14**
